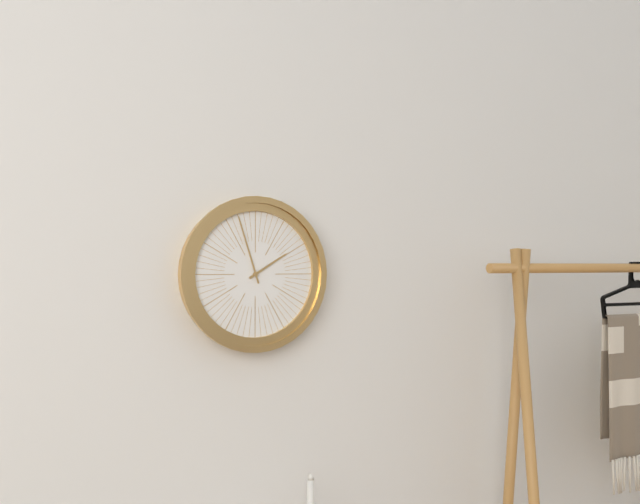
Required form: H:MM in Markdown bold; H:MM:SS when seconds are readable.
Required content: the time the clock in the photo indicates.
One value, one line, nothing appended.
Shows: **1:57**
